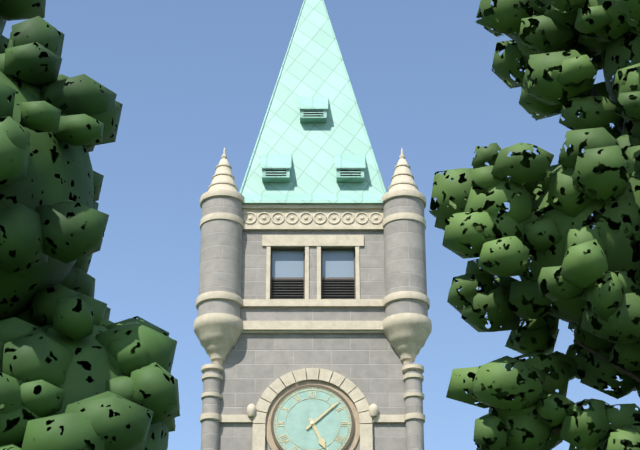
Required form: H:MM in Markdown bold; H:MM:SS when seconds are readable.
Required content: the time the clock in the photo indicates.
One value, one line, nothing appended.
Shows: **5:08**
